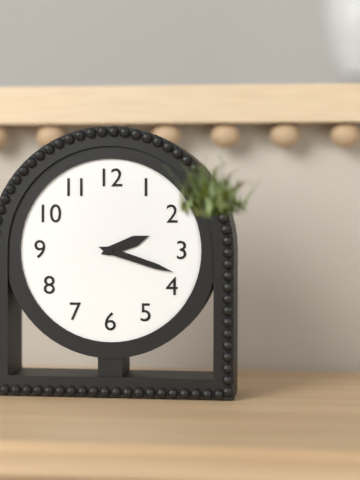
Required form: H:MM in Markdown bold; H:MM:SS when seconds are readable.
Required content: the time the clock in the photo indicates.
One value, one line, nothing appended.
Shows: **2:18**
